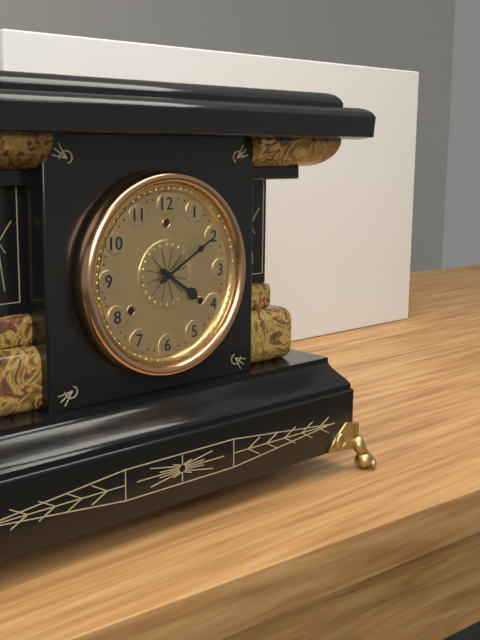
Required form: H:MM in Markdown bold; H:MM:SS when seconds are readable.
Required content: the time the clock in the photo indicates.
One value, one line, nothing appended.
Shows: **4:10**
